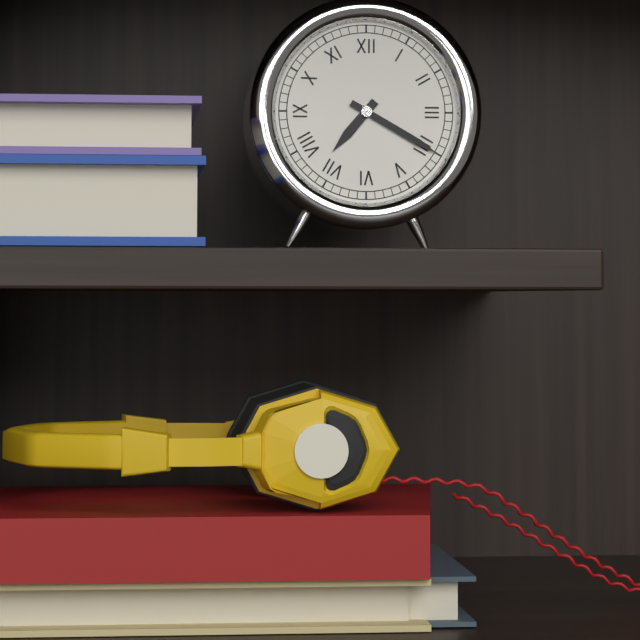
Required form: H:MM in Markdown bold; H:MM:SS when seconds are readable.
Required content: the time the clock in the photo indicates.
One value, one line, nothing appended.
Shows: **7:20**
